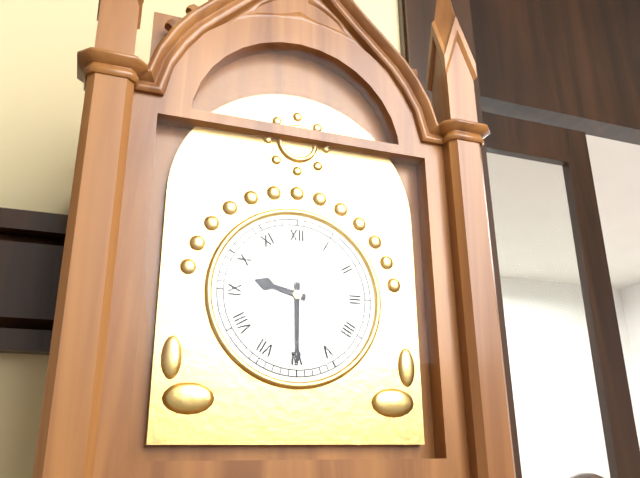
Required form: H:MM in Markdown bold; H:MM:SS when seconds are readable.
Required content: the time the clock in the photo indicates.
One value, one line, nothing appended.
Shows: **9:30**
